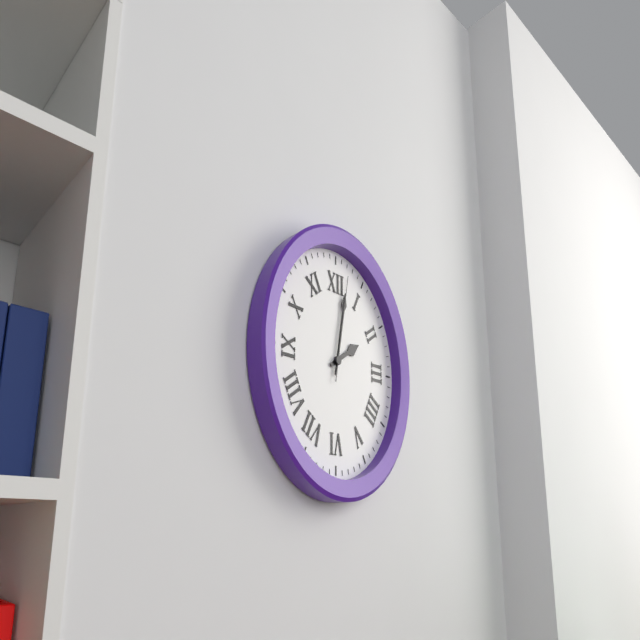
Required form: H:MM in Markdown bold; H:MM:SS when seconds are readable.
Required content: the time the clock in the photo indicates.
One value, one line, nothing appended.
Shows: **2:02:02**
